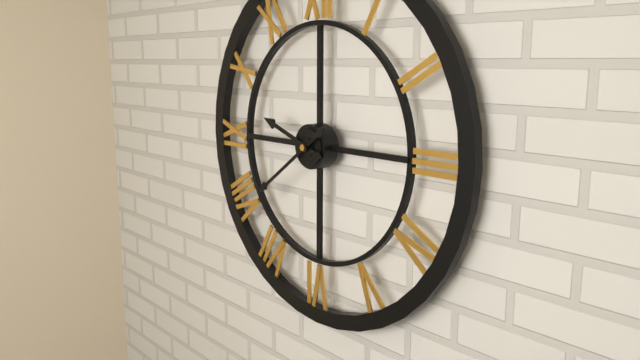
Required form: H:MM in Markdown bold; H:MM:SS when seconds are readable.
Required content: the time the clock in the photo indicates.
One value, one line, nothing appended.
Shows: **9:39**
